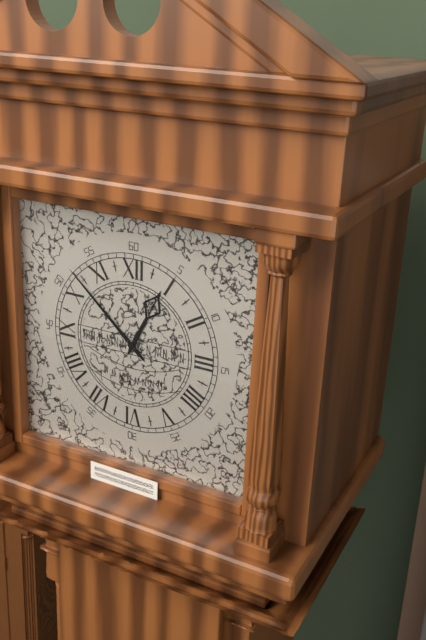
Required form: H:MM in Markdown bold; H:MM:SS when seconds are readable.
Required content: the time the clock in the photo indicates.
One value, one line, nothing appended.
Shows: **12:52**
